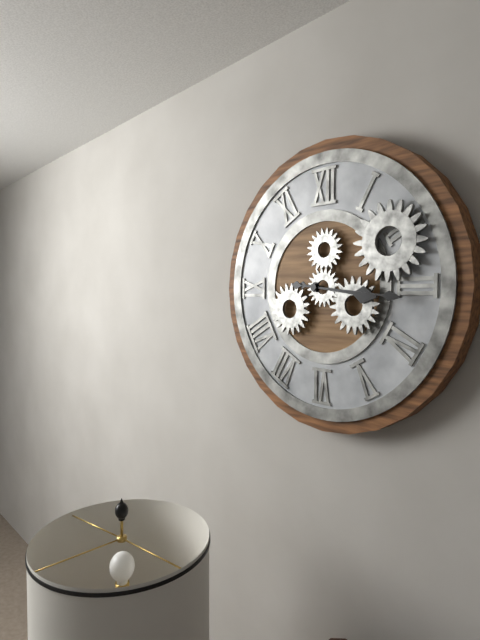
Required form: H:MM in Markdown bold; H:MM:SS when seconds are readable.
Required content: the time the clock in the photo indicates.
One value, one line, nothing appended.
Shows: **3:16**
